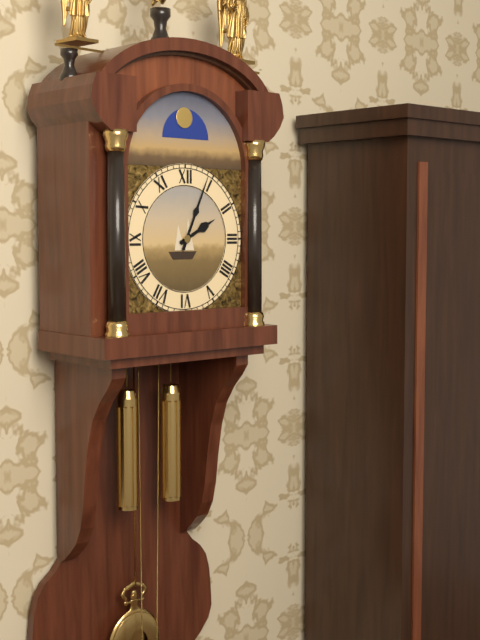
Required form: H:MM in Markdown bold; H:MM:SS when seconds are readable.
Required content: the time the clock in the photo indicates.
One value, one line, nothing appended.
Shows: **2:04**
